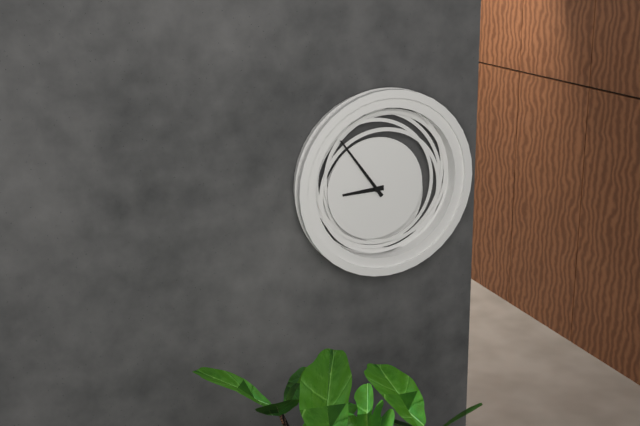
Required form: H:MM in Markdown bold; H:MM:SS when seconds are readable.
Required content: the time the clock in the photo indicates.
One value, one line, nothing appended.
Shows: **8:54**
